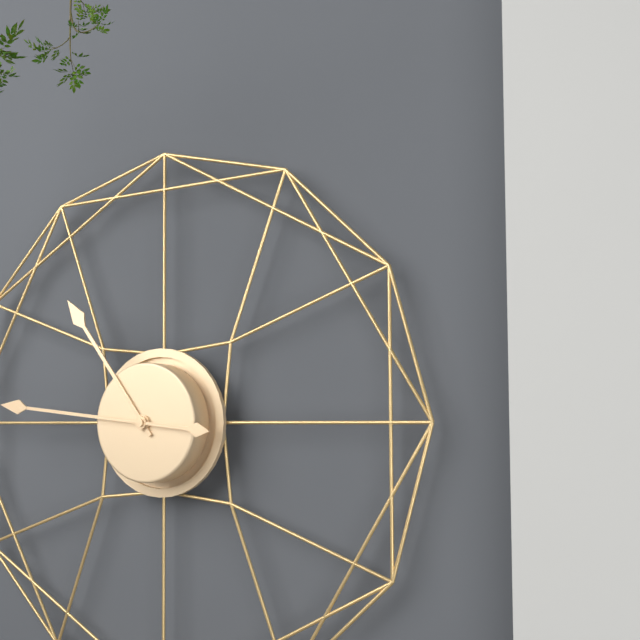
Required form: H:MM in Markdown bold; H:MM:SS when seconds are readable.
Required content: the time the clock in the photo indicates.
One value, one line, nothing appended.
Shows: **10:46**
